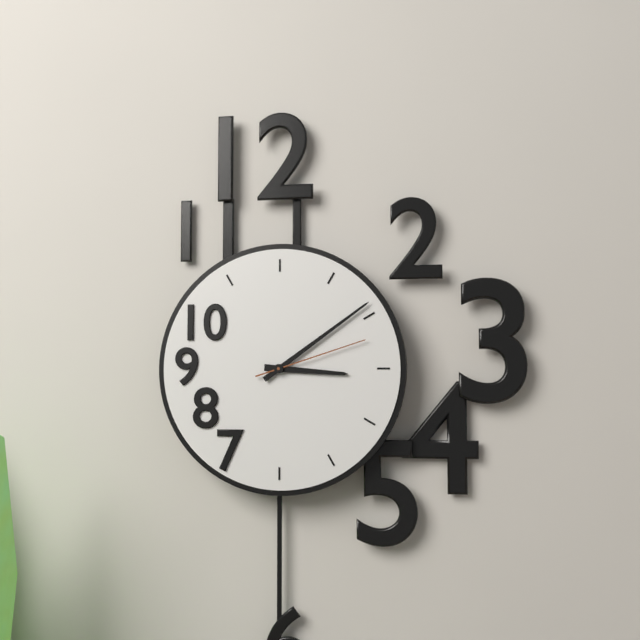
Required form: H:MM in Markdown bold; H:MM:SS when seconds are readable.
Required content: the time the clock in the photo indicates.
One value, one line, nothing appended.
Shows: **3:09:12**
